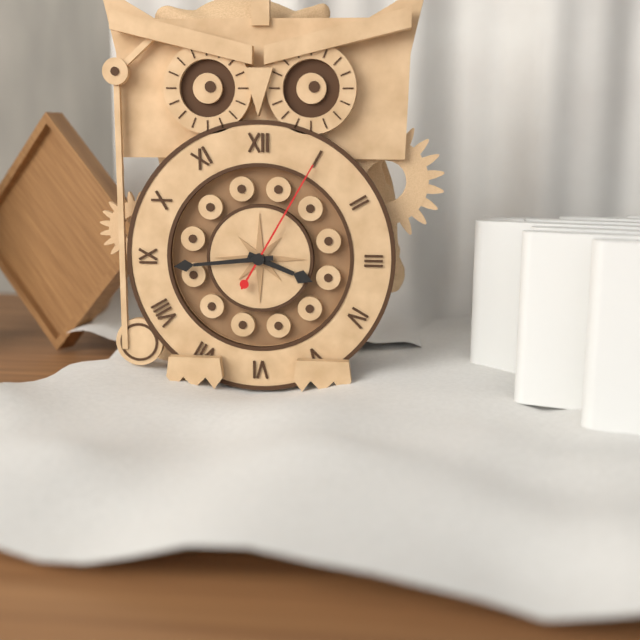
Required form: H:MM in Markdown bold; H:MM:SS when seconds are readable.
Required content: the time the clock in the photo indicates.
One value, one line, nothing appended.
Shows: **3:44:05**
